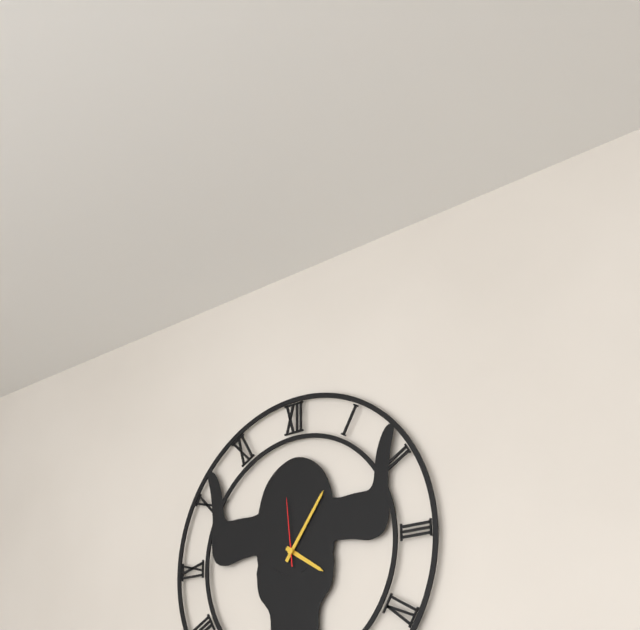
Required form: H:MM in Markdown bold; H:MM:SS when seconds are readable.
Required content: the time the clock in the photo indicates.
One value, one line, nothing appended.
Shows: **4:06:59**
